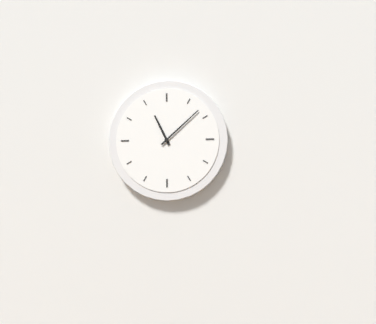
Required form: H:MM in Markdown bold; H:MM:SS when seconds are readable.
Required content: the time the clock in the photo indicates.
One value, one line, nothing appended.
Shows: **11:08**
